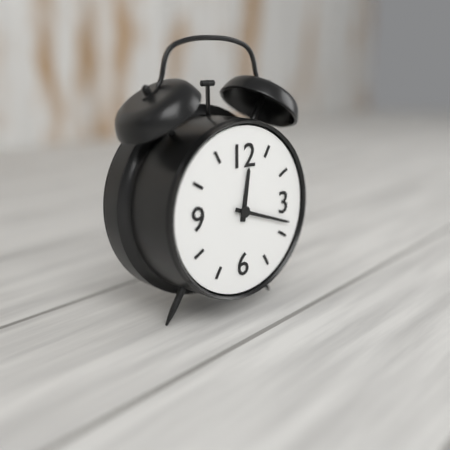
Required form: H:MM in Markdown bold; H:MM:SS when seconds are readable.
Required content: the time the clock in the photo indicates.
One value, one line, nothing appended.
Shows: **12:18**
